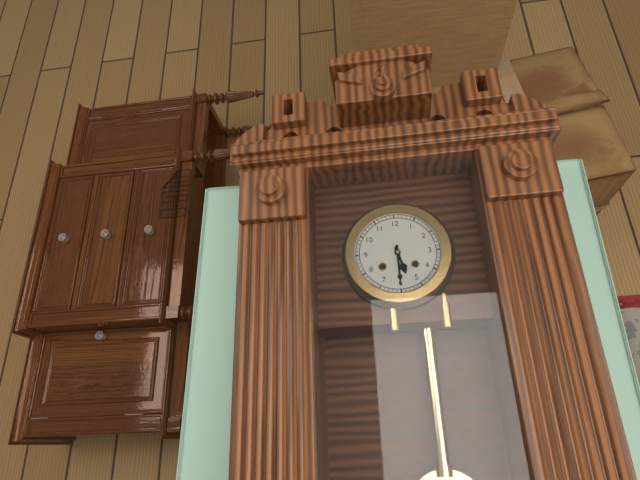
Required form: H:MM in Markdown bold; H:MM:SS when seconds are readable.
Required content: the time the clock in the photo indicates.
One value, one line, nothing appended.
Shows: **5:30**
